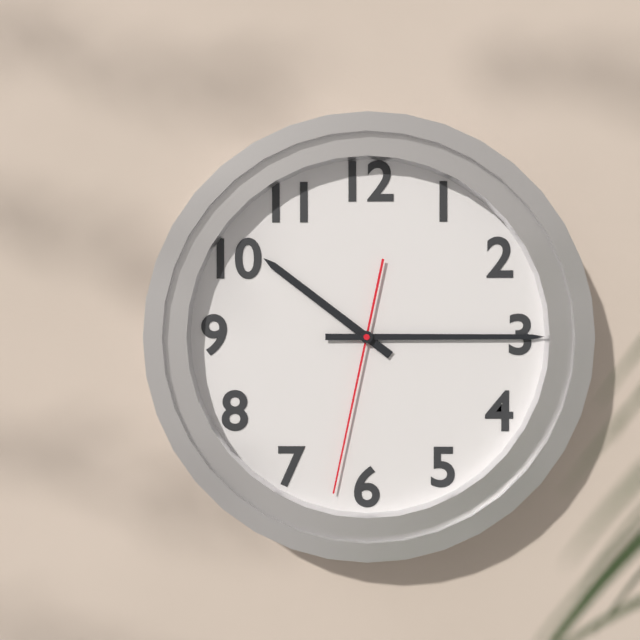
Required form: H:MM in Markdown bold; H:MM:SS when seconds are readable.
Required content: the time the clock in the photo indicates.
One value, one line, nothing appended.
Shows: **10:15:32**
